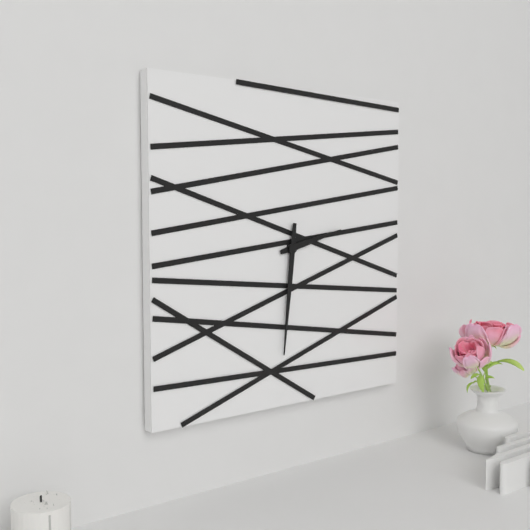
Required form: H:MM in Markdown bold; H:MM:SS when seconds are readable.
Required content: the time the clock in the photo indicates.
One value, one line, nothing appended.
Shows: **2:31**
